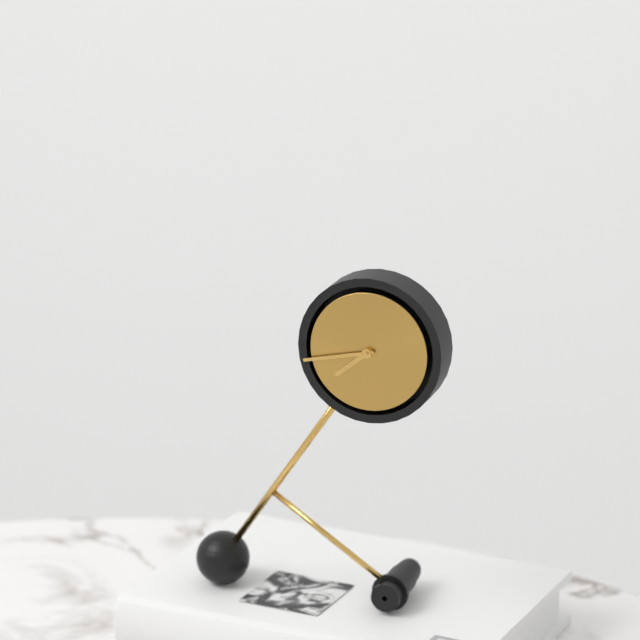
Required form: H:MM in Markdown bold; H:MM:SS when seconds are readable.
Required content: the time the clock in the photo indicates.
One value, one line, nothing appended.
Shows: **7:43**
